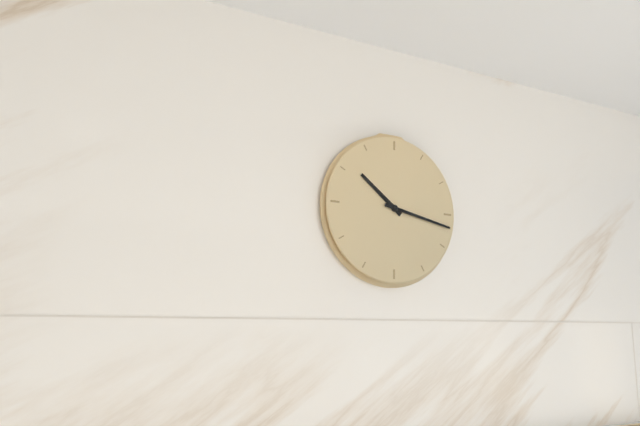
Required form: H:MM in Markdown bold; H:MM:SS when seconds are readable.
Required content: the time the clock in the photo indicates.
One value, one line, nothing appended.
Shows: **10:17**
